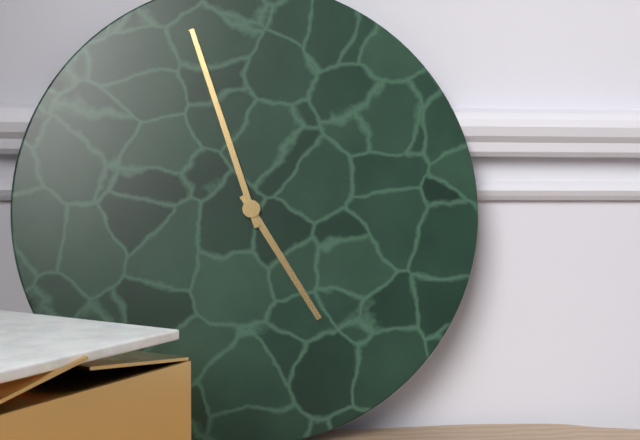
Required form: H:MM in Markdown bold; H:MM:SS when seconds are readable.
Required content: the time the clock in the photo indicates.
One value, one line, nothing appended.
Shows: **4:57**
